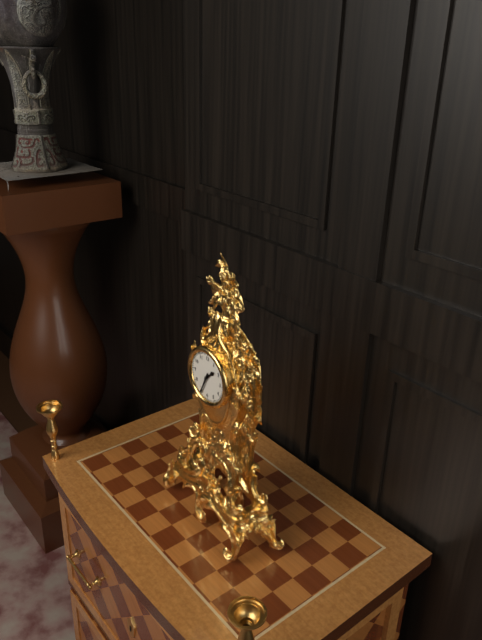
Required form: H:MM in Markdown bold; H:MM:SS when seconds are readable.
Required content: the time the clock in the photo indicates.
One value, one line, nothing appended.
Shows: **1:34**
